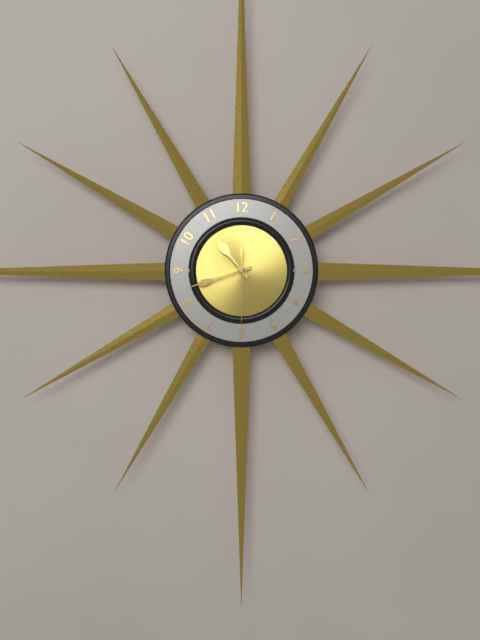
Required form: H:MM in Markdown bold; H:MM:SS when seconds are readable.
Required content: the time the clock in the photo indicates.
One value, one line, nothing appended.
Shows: **10:42:30**
